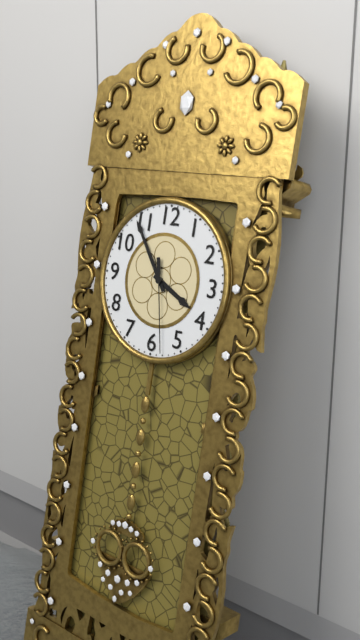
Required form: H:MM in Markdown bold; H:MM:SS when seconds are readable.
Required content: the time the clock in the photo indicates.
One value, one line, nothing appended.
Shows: **3:54:28**
